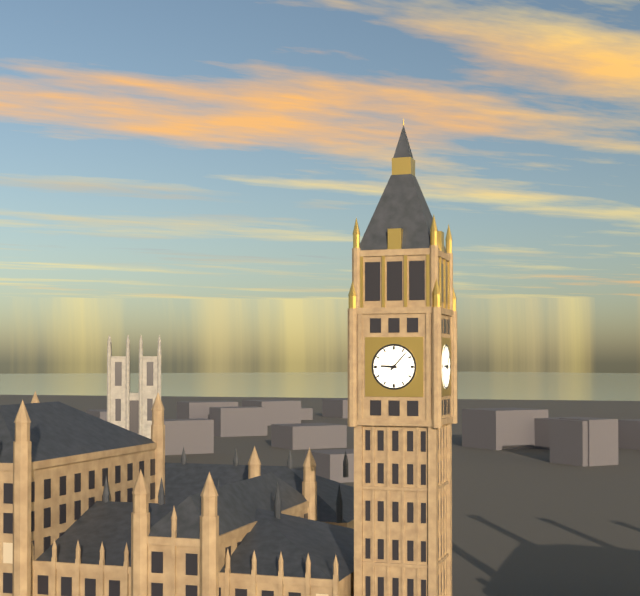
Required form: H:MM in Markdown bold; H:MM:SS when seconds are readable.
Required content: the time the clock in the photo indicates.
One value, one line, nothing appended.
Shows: **9:07**
